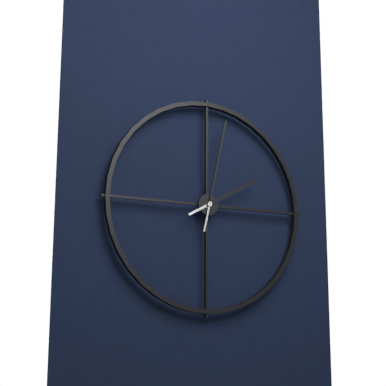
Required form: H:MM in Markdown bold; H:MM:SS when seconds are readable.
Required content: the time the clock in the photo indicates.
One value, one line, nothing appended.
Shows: **2:02**
